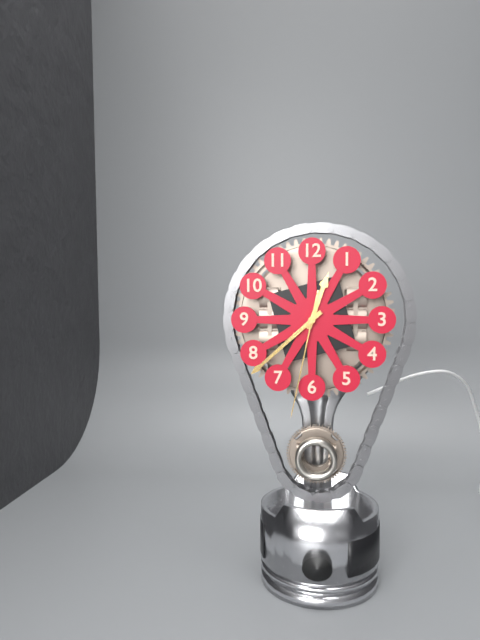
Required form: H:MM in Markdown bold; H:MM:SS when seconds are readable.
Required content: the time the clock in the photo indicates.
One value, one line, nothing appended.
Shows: **12:38:32**
